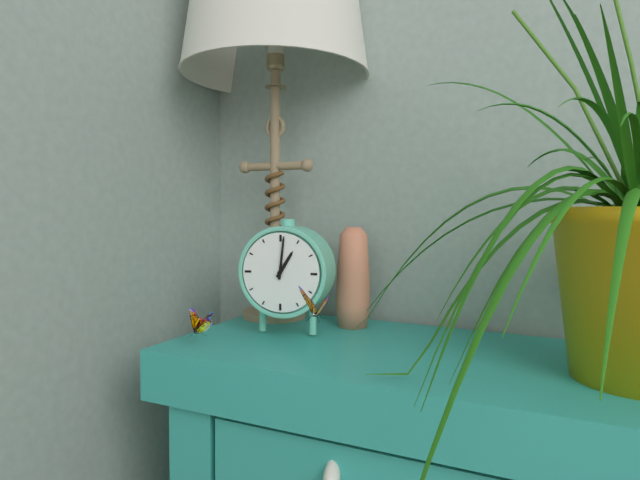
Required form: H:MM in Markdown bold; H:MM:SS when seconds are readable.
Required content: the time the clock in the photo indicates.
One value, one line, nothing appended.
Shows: **1:01**
